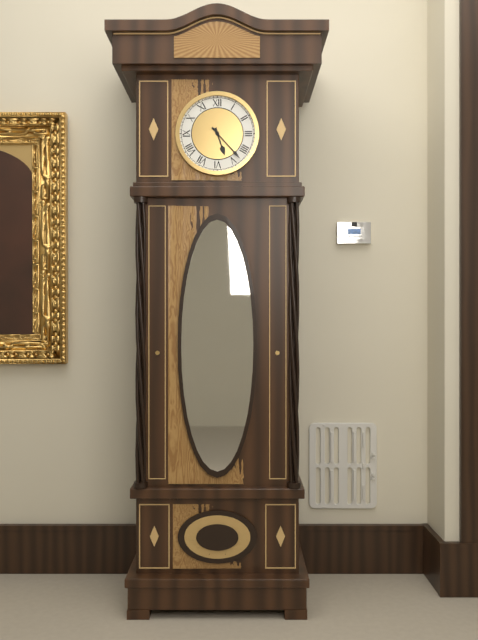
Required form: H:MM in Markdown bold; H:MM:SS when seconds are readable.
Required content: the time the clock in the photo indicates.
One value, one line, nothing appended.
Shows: **5:23**
